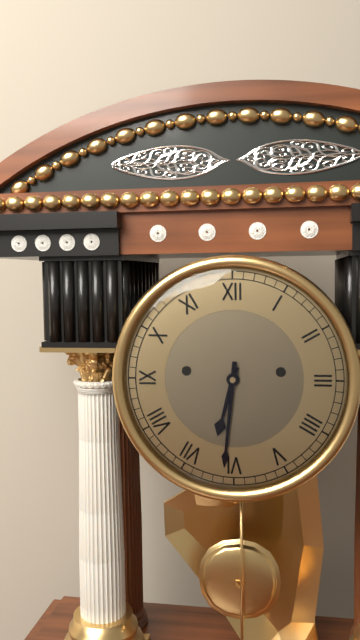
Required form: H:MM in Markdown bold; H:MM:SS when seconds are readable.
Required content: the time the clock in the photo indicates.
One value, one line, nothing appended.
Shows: **6:31**
